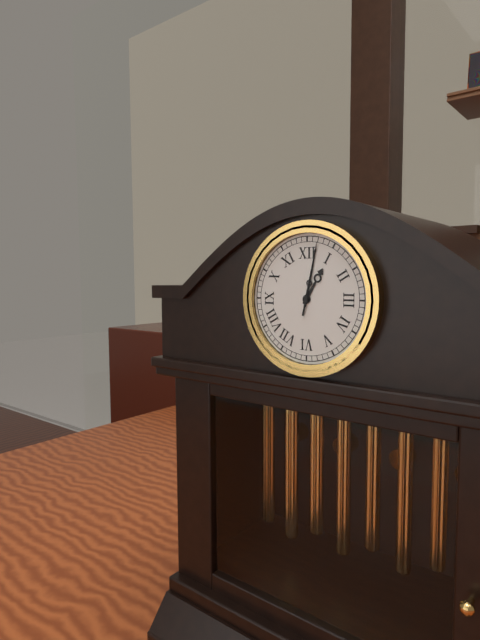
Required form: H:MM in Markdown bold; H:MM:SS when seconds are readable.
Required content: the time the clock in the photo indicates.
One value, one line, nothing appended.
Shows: **1:02:02**
